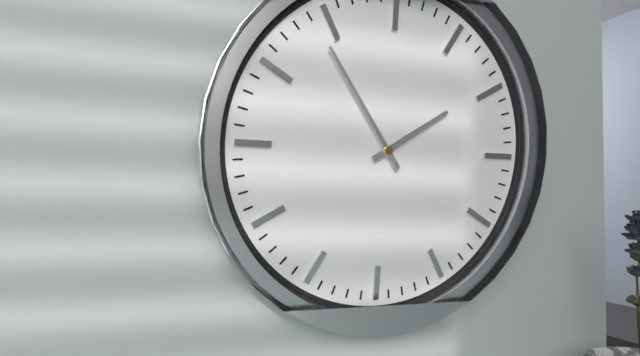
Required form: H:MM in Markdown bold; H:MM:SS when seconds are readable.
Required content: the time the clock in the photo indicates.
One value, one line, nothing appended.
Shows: **1:54**
